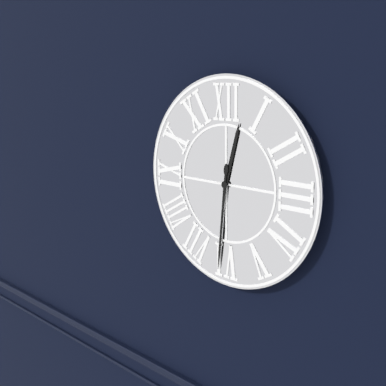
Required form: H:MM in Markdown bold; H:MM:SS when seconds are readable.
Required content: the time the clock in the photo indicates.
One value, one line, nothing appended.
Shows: **12:31**
